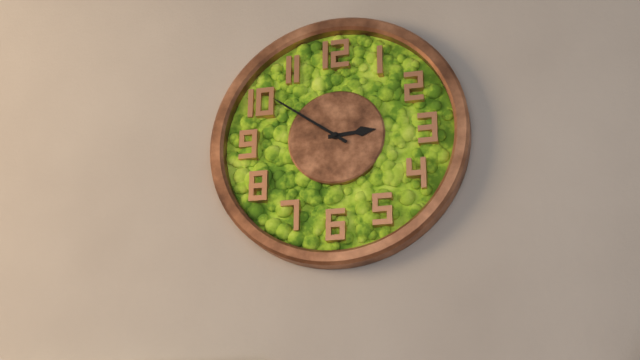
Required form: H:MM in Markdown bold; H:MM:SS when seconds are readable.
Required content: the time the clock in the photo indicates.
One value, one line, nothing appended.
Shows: **2:51**
